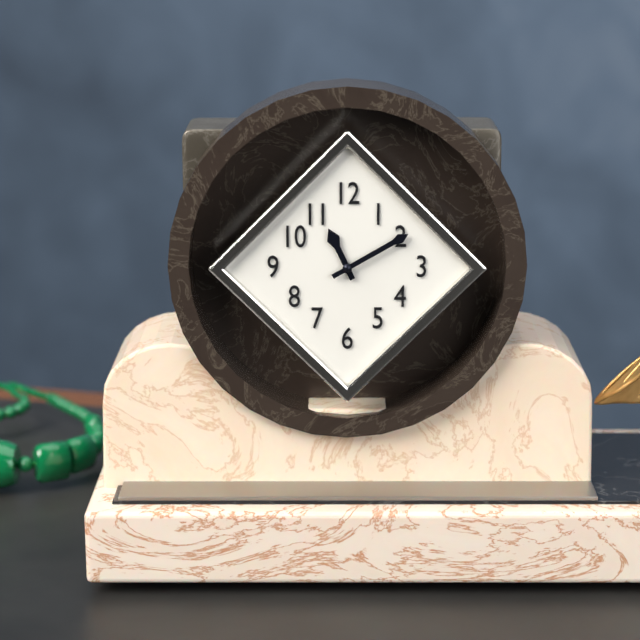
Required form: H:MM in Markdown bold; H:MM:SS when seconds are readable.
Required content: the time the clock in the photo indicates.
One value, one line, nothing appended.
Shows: **11:10**
